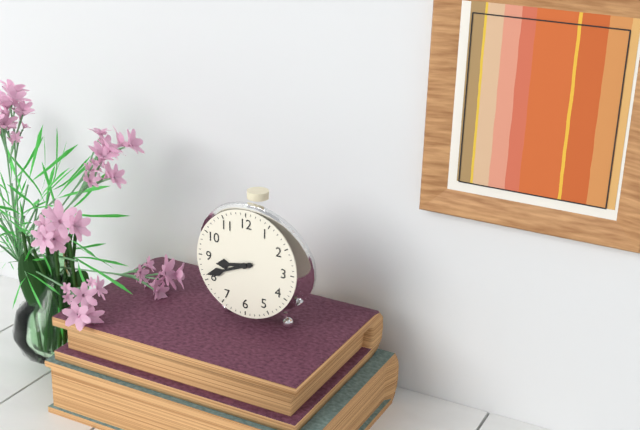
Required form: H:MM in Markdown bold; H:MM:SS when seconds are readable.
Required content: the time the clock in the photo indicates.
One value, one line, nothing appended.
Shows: **8:41**
